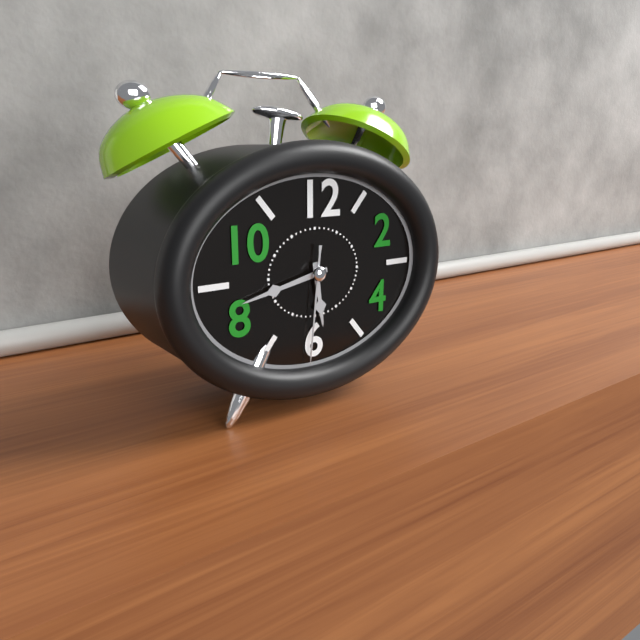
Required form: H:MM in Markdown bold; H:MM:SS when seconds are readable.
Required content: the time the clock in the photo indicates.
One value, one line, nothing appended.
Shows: **5:43:31**
